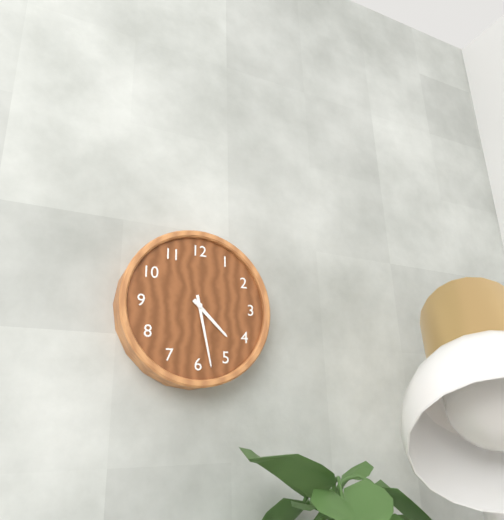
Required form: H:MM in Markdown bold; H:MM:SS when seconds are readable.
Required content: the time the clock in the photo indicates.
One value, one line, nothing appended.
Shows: **4:28**
